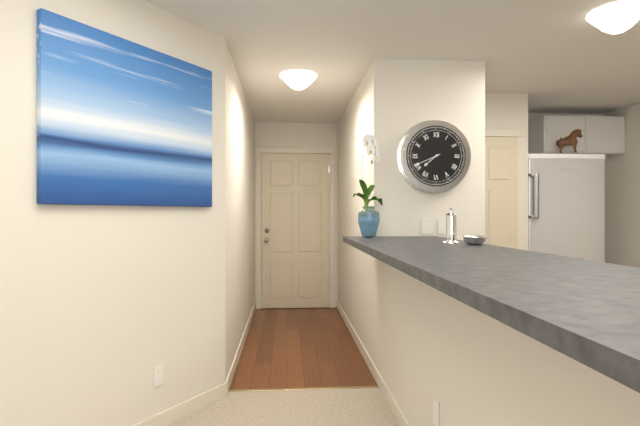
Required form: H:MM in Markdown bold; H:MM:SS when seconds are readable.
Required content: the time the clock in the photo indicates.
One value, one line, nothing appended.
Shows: **7:41**
